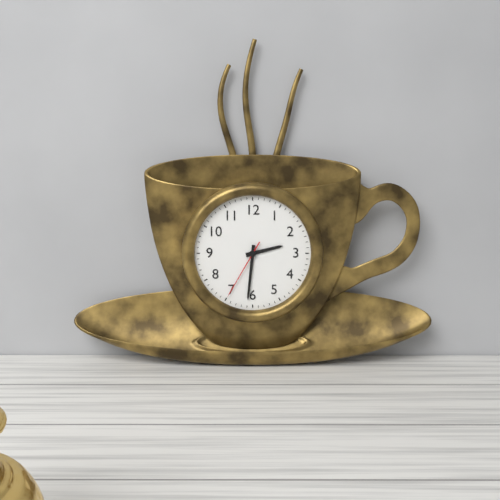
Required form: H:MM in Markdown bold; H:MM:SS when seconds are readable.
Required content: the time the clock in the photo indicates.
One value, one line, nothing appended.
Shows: **2:31:35**
